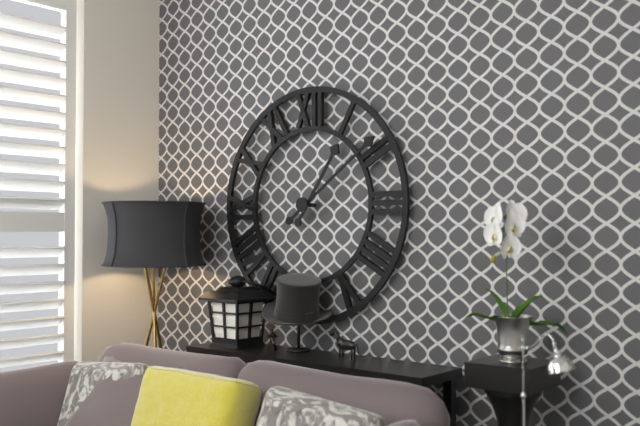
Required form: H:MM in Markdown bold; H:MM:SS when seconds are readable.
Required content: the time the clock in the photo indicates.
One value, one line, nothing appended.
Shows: **1:09**
